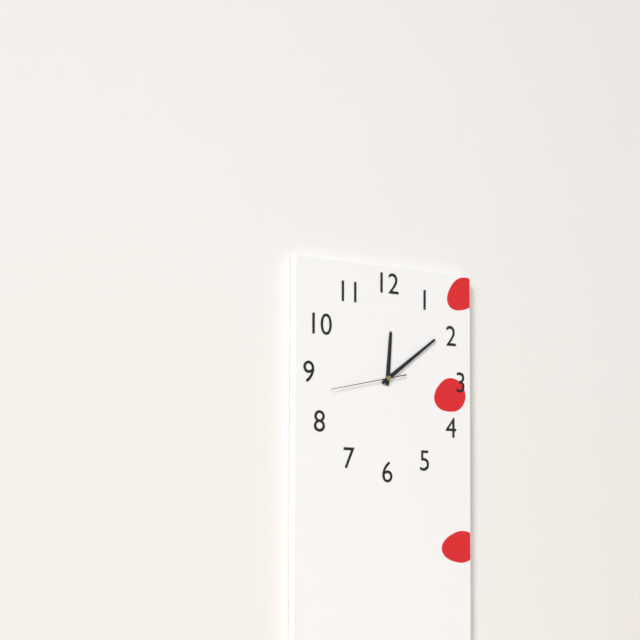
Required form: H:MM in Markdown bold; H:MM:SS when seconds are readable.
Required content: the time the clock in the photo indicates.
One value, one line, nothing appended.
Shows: **12:09:43**
